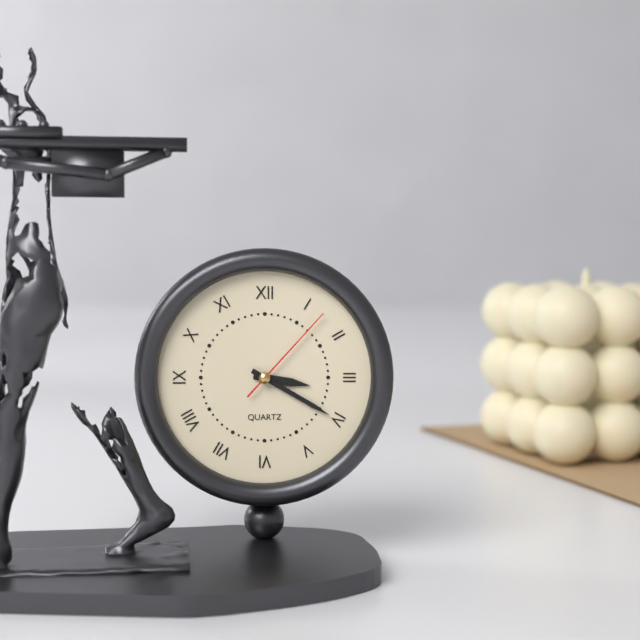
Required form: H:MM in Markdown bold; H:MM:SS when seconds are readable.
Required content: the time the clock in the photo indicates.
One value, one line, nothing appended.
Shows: **3:20:07**
